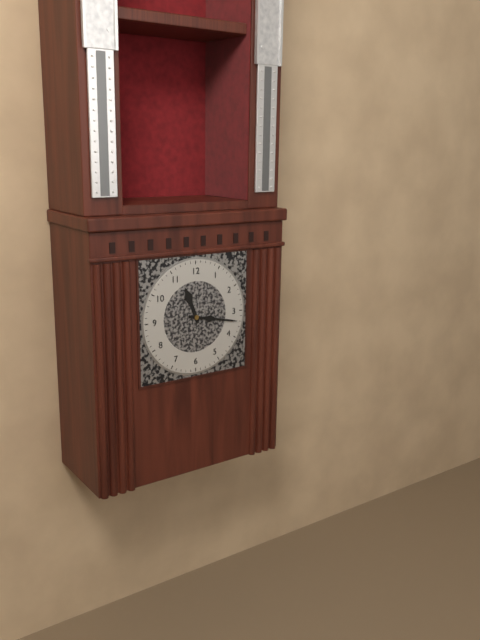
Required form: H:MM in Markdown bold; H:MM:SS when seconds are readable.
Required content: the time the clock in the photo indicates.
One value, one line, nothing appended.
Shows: **11:17**
